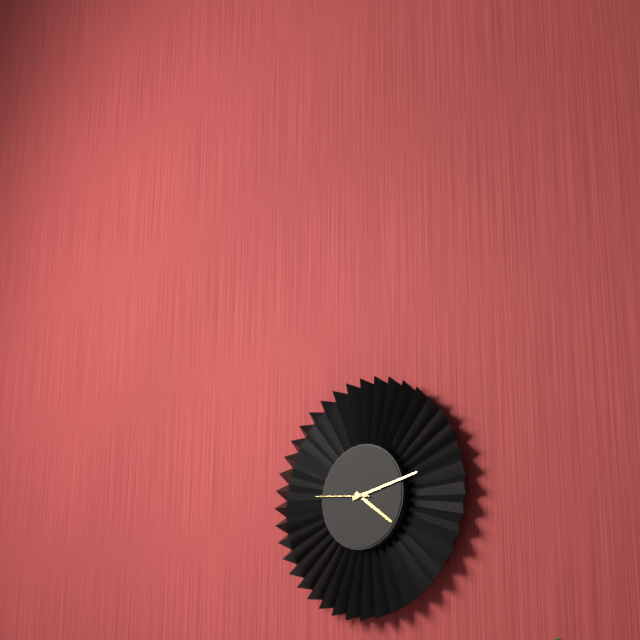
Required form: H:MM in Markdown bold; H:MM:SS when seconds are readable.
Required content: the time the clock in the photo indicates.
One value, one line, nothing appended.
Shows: **4:13:46**
